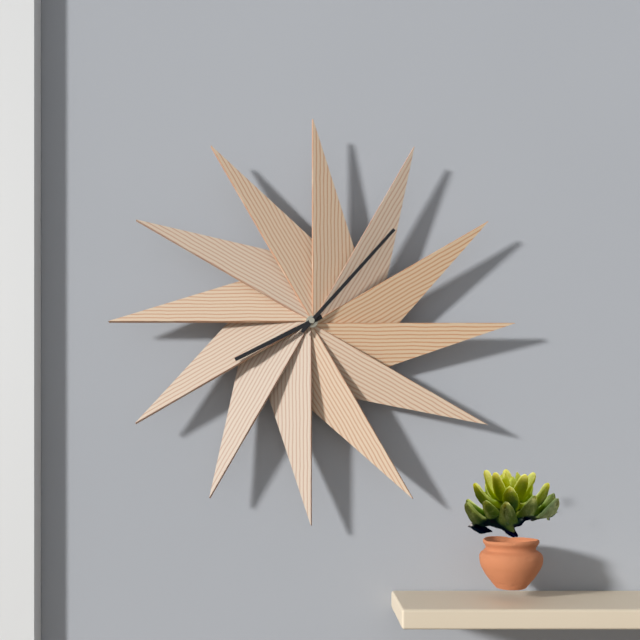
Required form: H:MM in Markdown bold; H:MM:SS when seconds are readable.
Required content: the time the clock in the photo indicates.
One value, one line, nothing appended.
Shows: **8:07**
